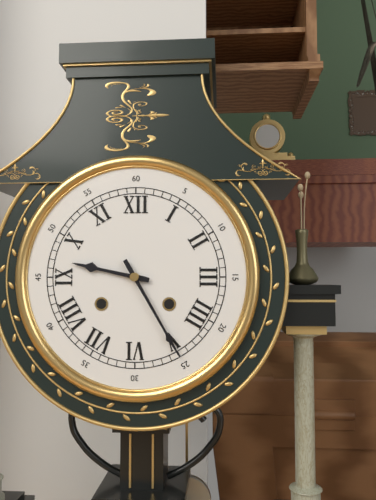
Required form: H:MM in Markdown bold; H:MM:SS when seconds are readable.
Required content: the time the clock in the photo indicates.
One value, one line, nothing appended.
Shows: **9:25**
